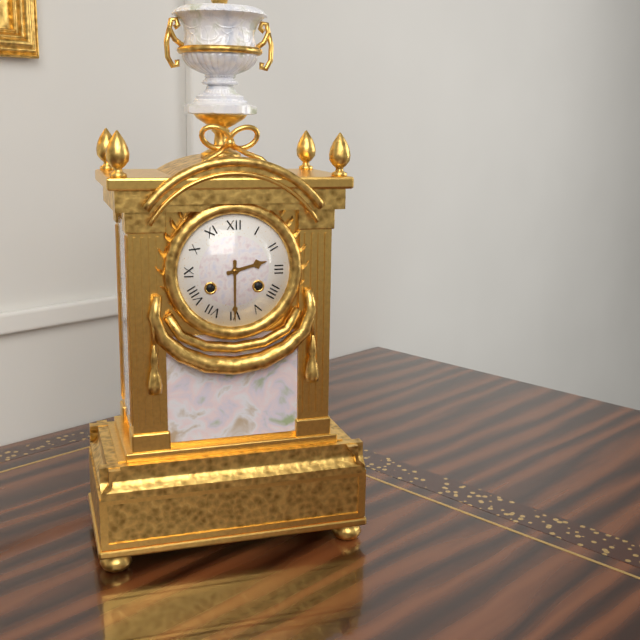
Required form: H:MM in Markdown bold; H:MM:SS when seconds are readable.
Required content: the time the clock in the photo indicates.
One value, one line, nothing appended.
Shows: **2:30**
